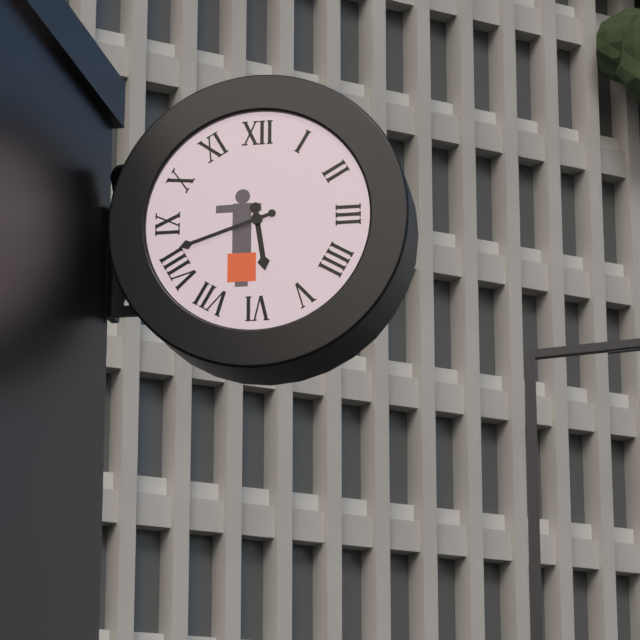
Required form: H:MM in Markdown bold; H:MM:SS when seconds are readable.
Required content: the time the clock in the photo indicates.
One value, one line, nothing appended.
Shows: **5:42**
